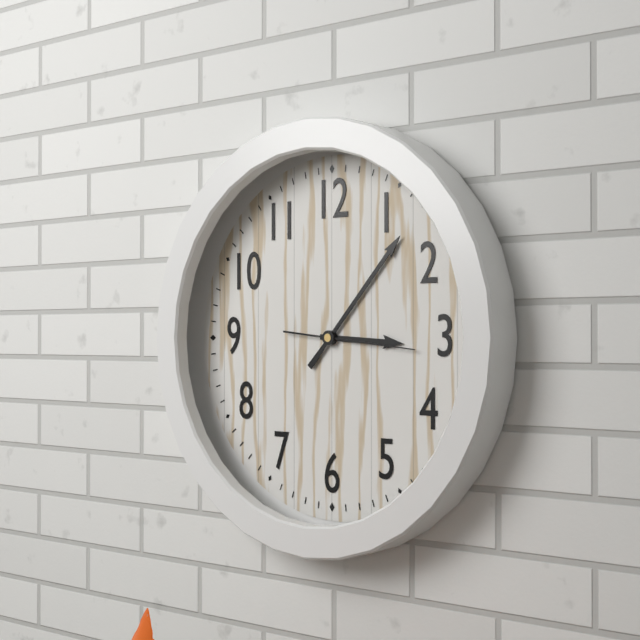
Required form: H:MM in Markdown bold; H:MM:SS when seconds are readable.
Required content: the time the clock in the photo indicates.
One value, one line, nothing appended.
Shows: **3:07:16**
